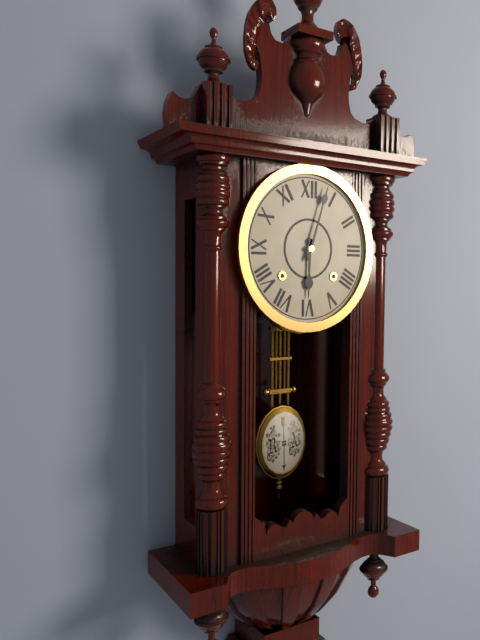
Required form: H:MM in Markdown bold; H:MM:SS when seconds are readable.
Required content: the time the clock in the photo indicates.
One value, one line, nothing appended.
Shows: **6:03**
